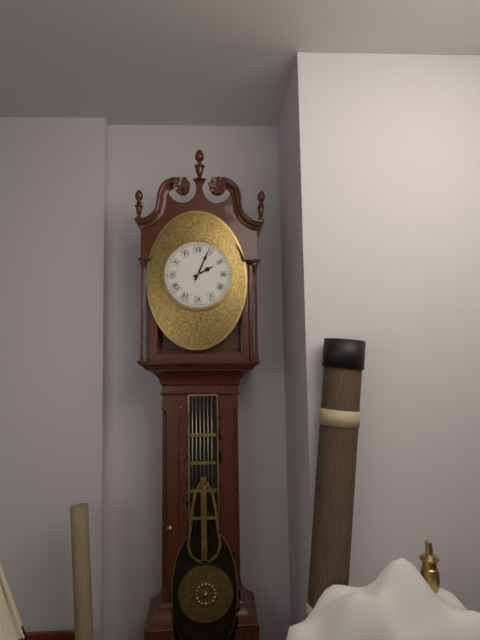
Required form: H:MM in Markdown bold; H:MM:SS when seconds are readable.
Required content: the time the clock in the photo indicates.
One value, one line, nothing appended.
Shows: **2:04**
